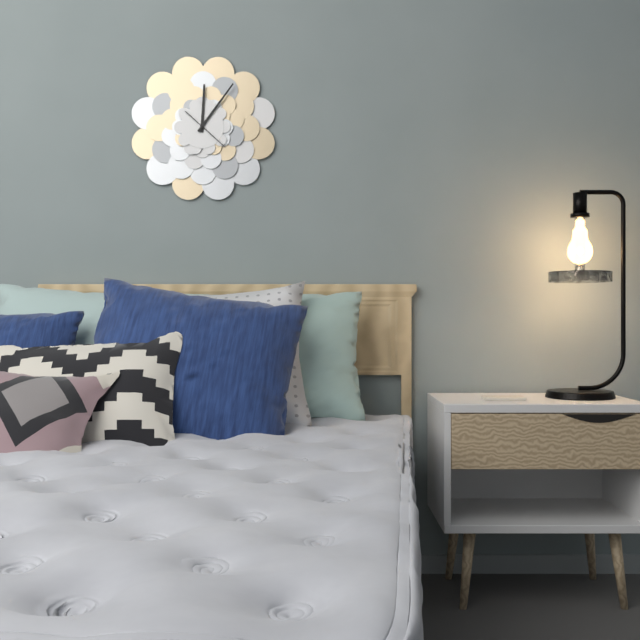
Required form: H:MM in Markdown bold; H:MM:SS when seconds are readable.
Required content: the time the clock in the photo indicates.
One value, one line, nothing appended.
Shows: **12:06**
